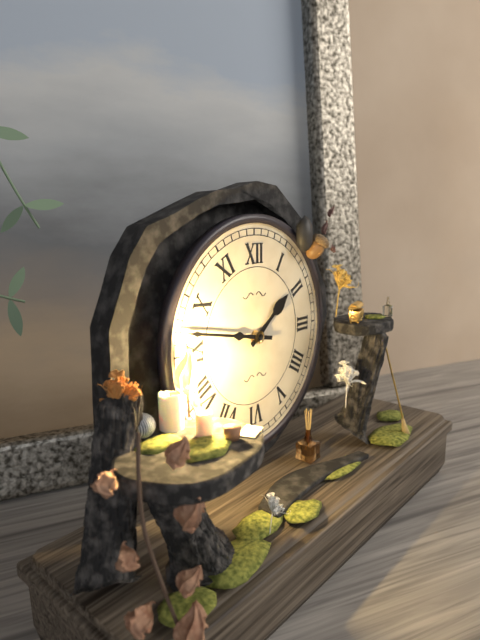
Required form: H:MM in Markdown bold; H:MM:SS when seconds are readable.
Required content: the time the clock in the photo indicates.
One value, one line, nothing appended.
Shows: **1:47**
